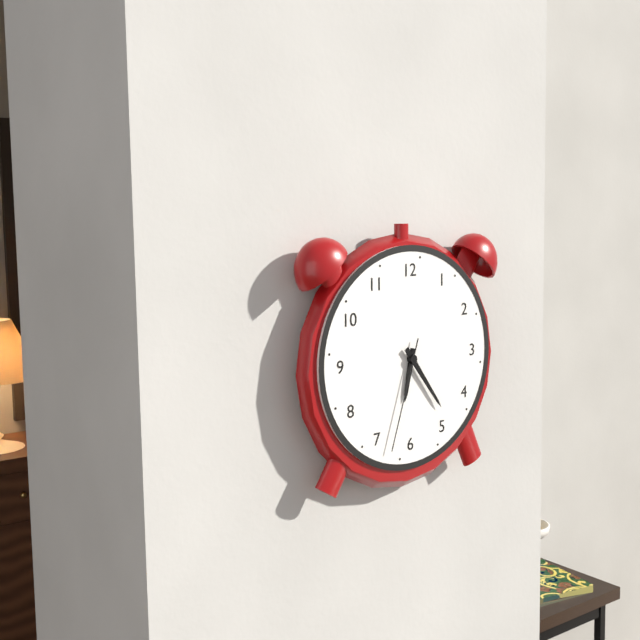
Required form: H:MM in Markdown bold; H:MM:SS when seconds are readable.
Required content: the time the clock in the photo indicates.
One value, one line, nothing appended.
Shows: **6:24:33**
